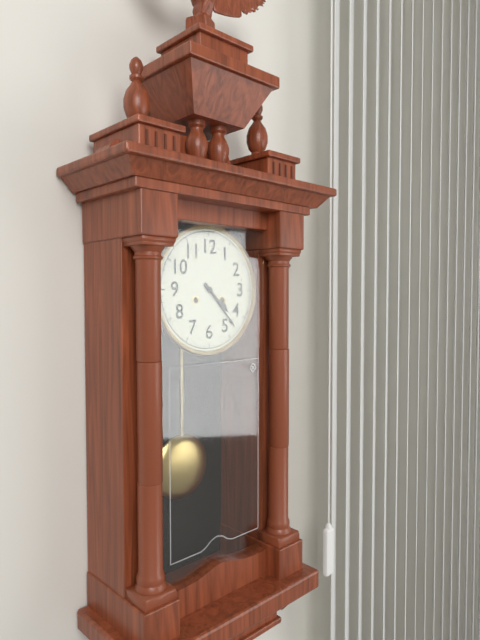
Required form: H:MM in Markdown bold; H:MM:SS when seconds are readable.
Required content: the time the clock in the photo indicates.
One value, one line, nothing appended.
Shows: **4:23**
